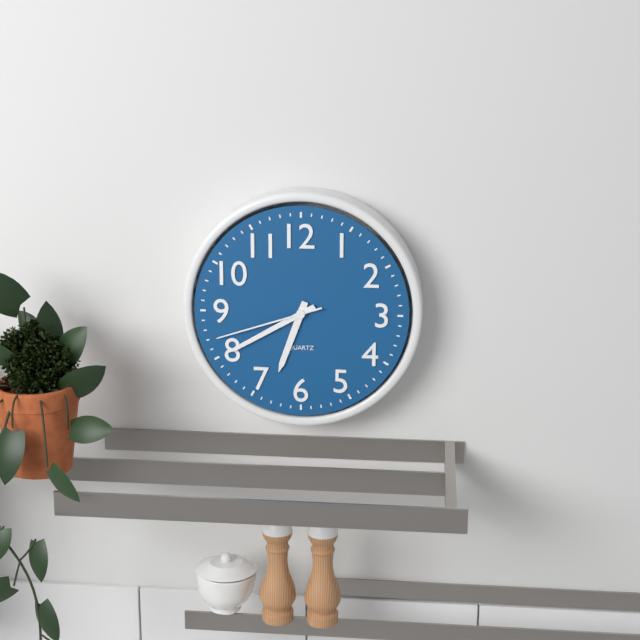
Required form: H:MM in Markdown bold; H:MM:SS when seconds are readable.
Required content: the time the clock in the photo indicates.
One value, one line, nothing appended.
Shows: **6:40:42**
